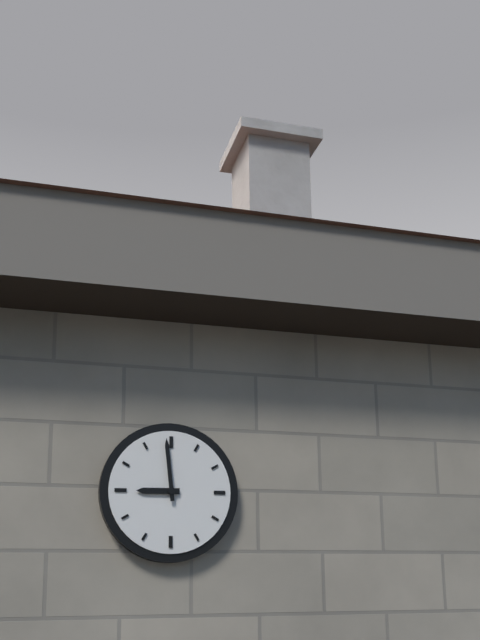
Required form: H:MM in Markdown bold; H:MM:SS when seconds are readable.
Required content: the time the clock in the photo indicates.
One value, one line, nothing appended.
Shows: **8:59**
